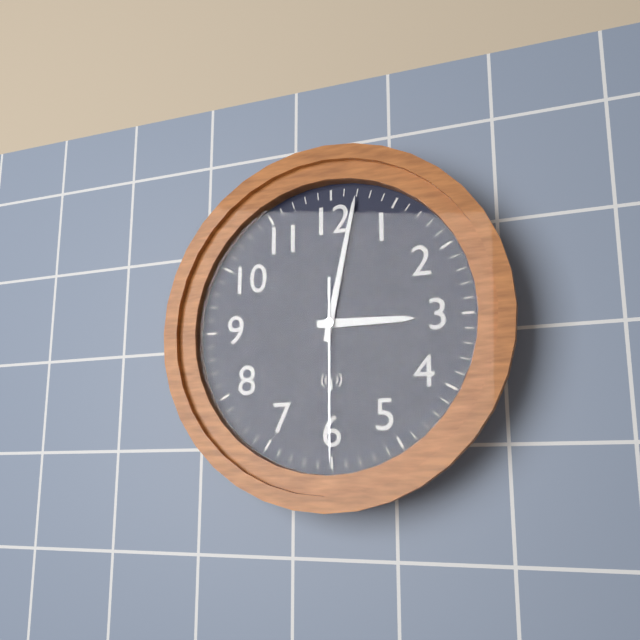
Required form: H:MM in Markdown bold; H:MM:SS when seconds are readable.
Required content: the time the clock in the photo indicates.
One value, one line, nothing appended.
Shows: **3:02:30**
